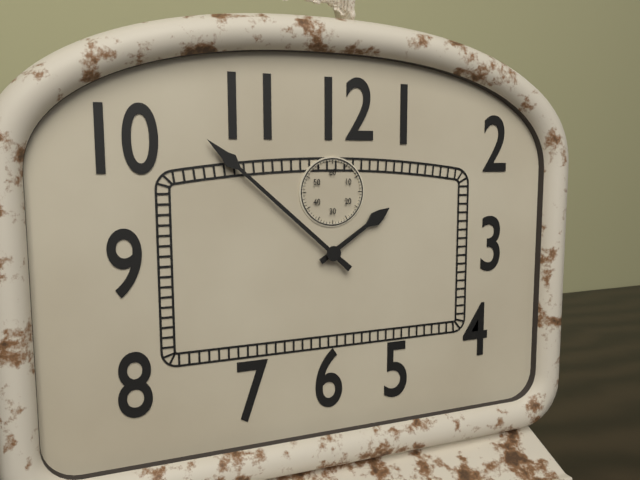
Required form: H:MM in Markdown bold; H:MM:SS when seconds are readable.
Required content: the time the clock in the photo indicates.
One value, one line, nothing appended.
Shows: **1:52**
